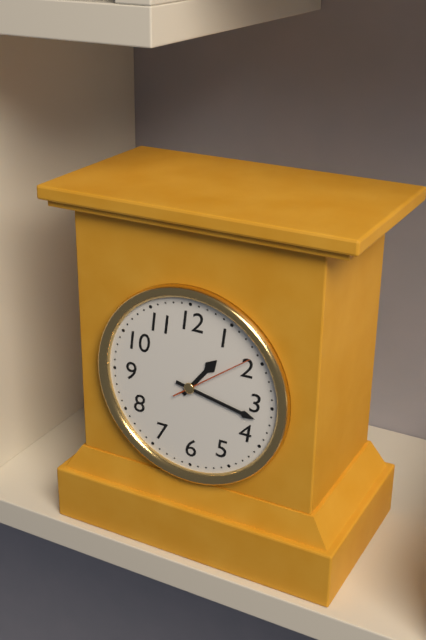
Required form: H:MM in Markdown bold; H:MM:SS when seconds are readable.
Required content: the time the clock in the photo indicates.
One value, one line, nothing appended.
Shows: **1:17:09**
